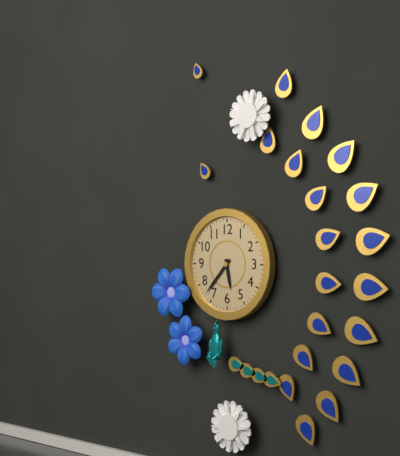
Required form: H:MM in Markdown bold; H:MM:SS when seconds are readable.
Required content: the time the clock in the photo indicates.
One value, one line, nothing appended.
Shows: **5:37**
